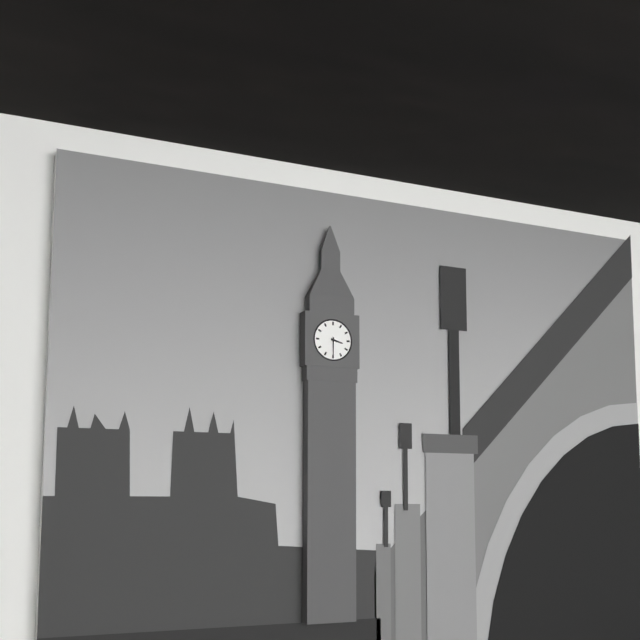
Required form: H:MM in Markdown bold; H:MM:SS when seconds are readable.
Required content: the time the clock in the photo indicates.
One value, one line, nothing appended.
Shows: **3:30**
